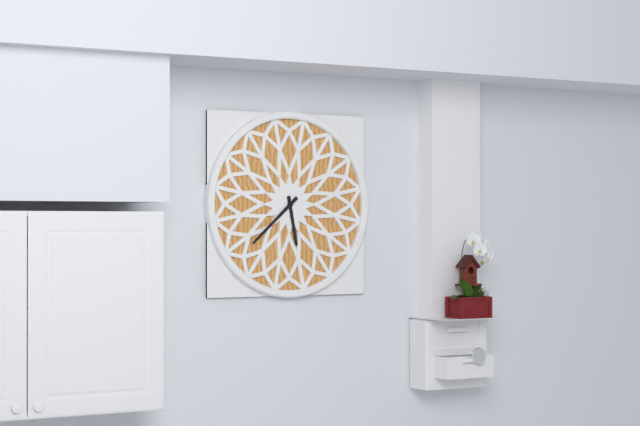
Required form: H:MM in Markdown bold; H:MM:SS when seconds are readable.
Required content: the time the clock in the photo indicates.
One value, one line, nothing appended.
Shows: **5:38**
